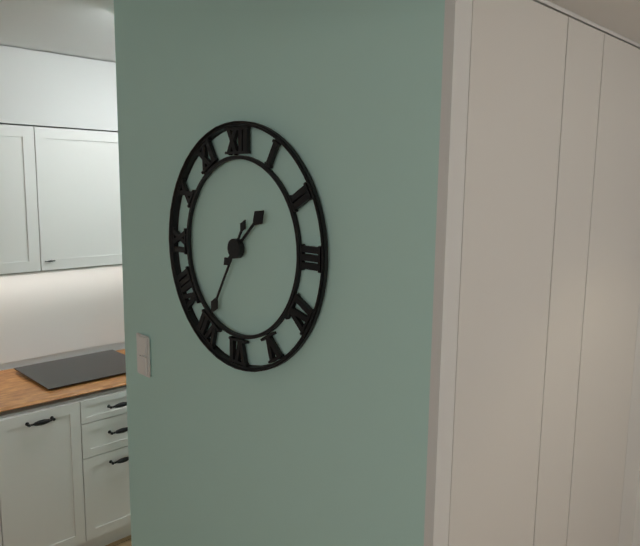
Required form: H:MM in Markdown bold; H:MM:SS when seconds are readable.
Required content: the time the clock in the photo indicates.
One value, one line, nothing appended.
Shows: **1:35**
